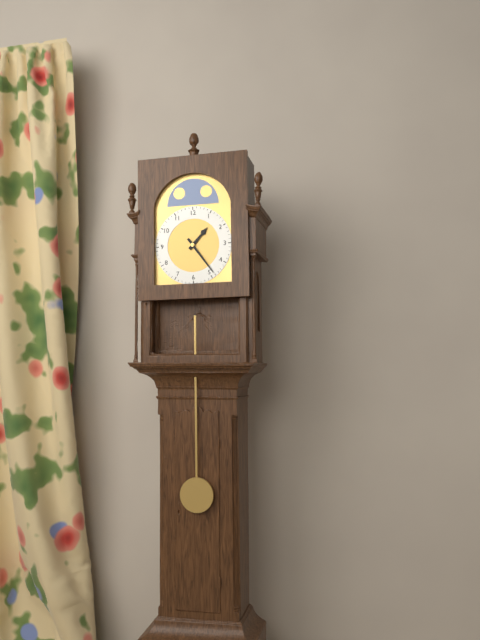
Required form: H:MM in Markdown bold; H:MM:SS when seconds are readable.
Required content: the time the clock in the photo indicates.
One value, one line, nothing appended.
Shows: **1:24**
